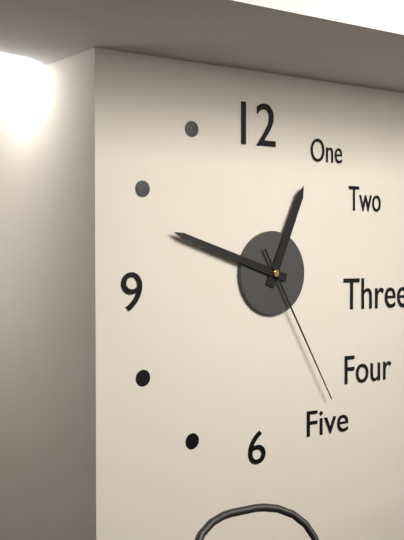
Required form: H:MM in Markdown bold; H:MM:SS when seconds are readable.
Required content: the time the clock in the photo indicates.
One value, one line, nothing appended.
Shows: **12:48:25**
